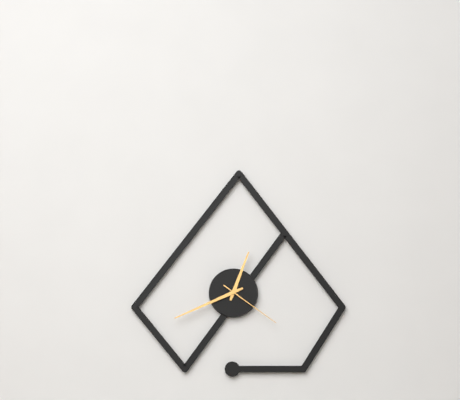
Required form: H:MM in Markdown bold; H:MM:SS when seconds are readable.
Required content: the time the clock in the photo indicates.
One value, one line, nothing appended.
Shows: **12:41:21**
